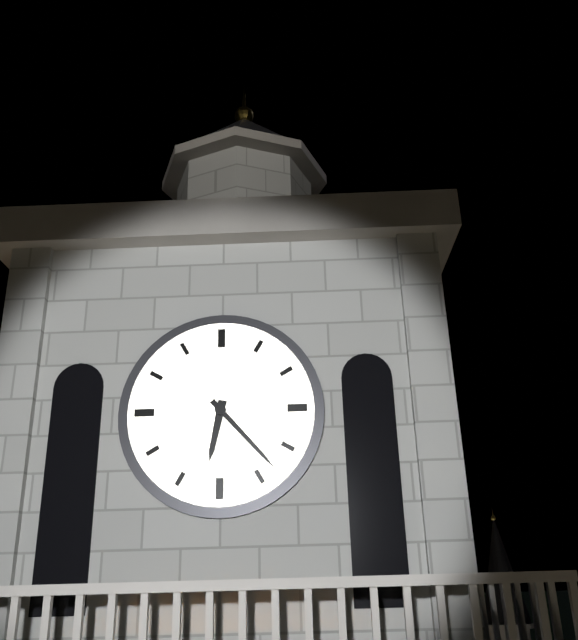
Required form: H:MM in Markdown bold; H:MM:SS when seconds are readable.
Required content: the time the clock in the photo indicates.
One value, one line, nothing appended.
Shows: **6:23**
